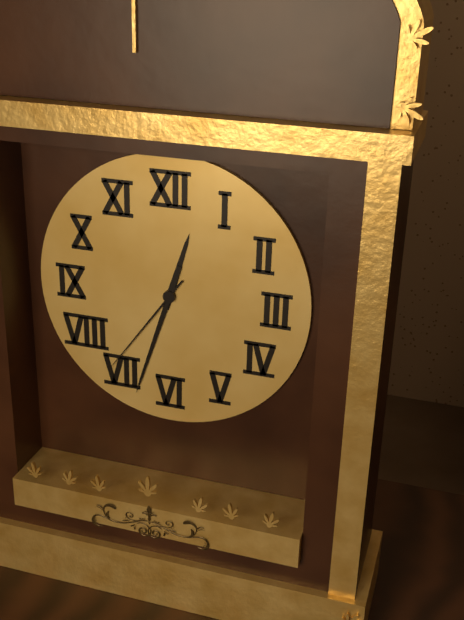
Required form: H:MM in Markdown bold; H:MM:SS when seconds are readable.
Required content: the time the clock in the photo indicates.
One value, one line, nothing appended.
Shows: **12:33:36**
